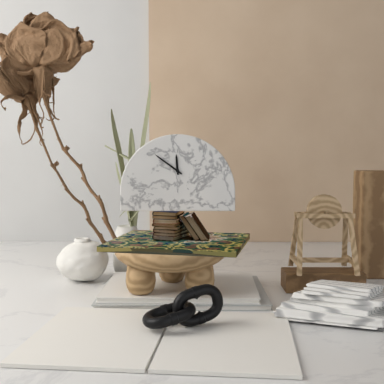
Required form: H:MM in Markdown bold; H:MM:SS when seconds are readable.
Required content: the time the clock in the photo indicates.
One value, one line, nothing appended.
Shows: **11:51**
